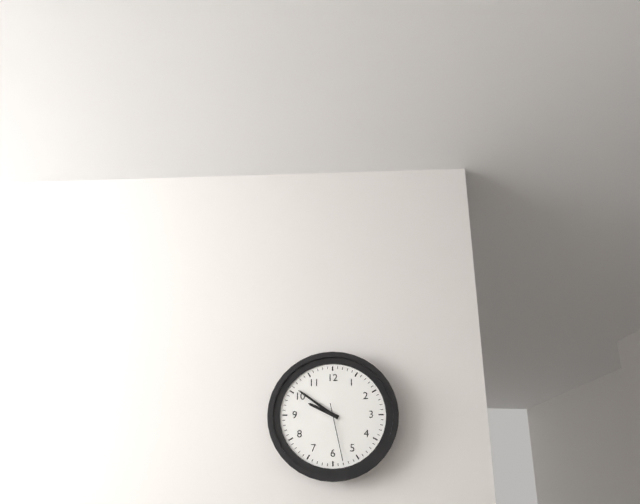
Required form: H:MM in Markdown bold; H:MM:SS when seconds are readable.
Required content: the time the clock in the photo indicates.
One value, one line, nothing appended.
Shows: **9:51:28**
